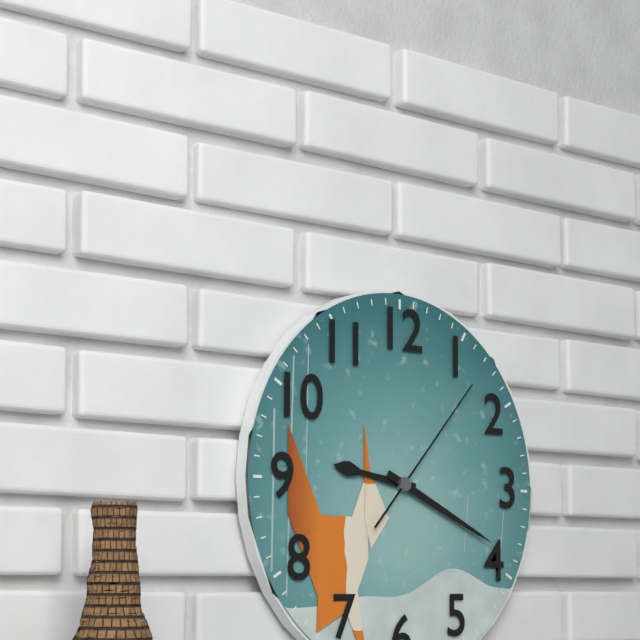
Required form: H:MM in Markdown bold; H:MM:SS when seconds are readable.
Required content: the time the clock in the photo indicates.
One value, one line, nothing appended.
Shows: **9:19:07**
